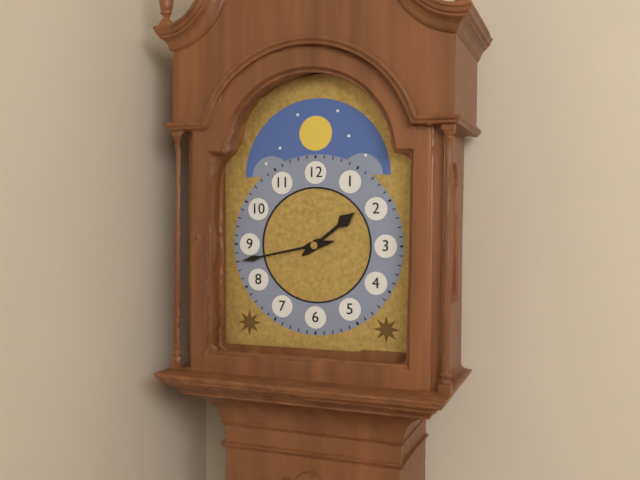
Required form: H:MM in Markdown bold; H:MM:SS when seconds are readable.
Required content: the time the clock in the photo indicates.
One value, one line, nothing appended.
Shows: **1:43**
